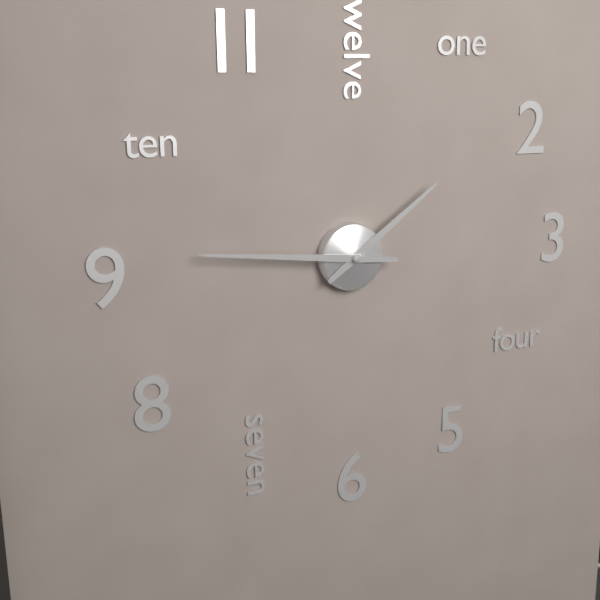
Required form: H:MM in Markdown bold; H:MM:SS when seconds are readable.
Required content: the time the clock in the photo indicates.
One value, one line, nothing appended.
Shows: **1:46**
